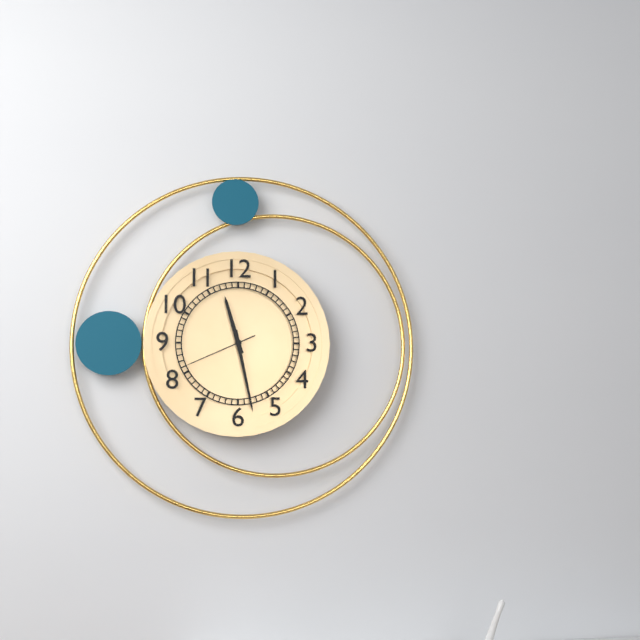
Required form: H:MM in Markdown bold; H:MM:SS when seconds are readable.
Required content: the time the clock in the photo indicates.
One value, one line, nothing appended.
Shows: **11:28:41**
